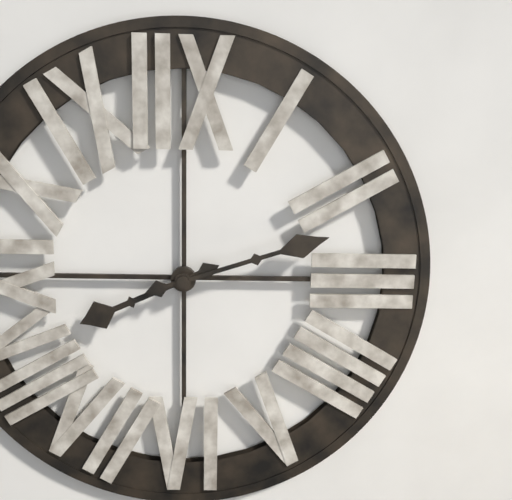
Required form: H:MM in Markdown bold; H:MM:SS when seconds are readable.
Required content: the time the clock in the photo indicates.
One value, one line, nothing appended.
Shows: **8:12**
